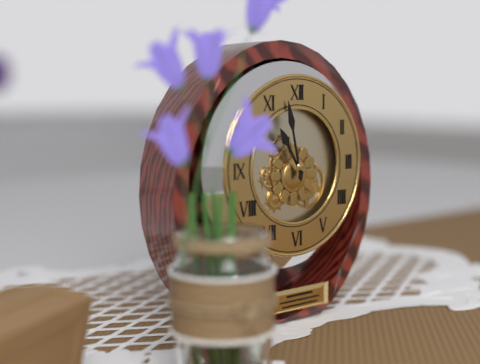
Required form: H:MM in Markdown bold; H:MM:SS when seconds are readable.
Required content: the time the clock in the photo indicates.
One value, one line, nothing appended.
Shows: **10:58**
